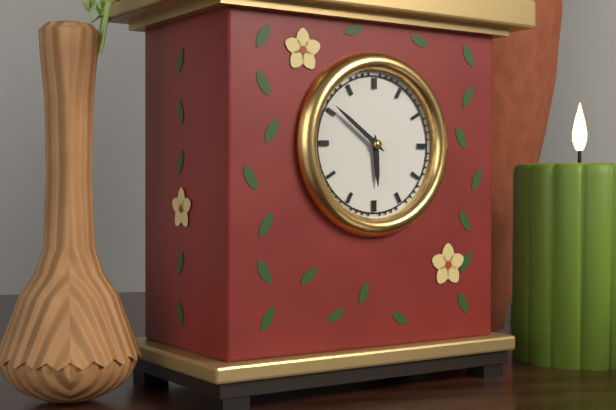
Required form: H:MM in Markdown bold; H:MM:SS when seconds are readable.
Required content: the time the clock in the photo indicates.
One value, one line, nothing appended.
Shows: **5:51**
